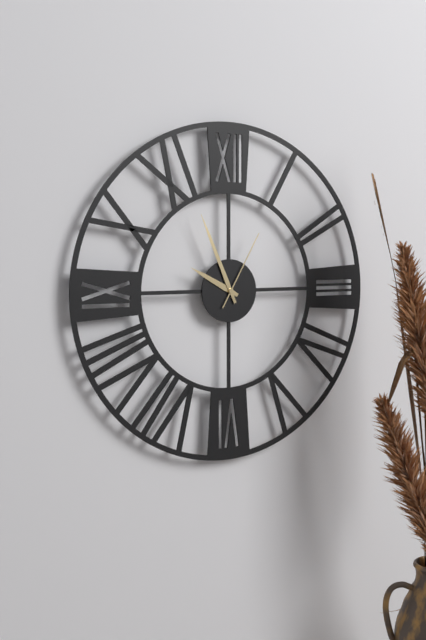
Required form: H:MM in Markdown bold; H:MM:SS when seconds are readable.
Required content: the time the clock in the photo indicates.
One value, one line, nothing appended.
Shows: **9:56:05**
